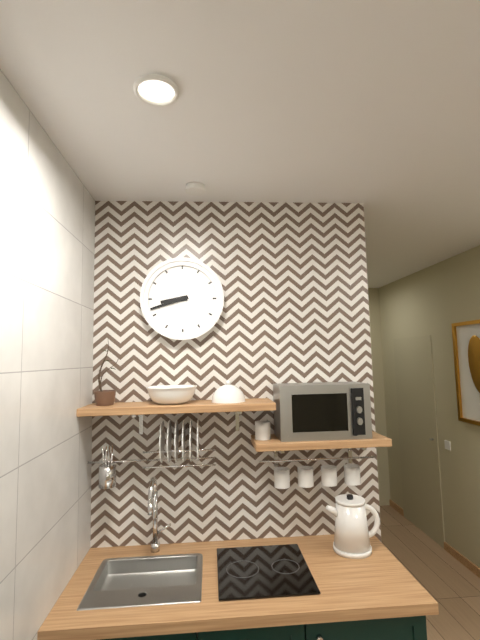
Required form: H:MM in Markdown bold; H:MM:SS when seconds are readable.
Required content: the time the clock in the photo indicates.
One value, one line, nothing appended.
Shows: **8:42**
